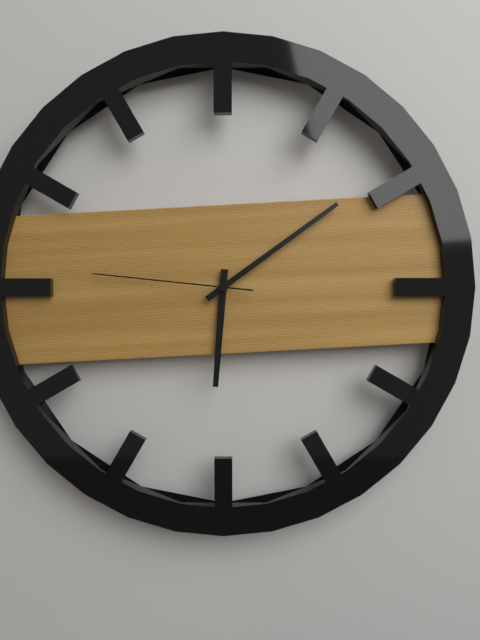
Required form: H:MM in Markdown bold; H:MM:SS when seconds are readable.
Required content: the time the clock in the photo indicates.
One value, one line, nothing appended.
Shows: **6:09:46**
